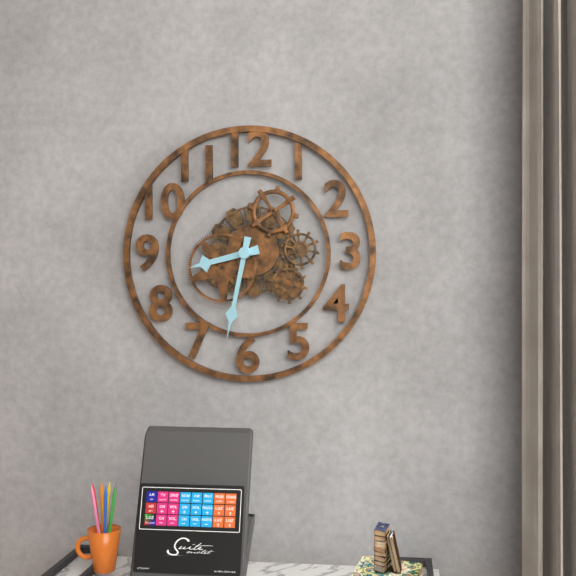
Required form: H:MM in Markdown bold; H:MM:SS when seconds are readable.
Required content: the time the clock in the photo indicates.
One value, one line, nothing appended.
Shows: **8:32**
